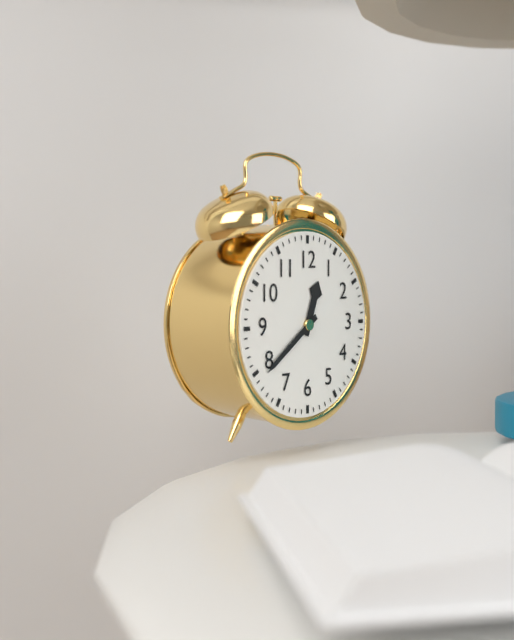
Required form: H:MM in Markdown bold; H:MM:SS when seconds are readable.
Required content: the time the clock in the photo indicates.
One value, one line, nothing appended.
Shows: **12:39**
